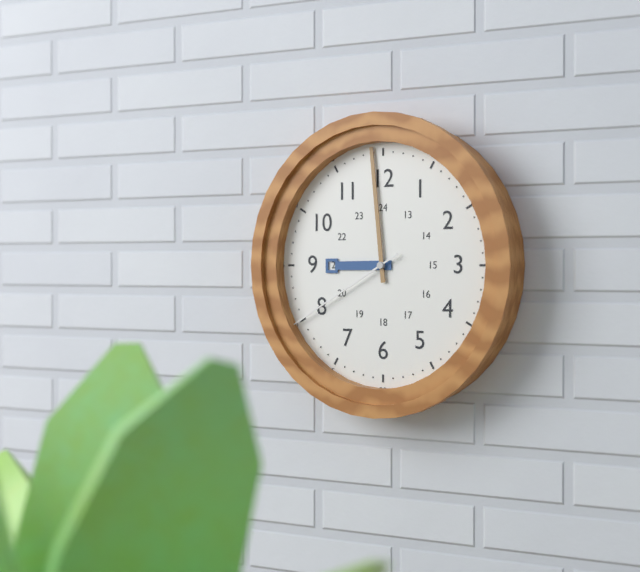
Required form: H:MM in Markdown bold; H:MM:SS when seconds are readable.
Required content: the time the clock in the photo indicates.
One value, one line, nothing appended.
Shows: **8:59:40**
